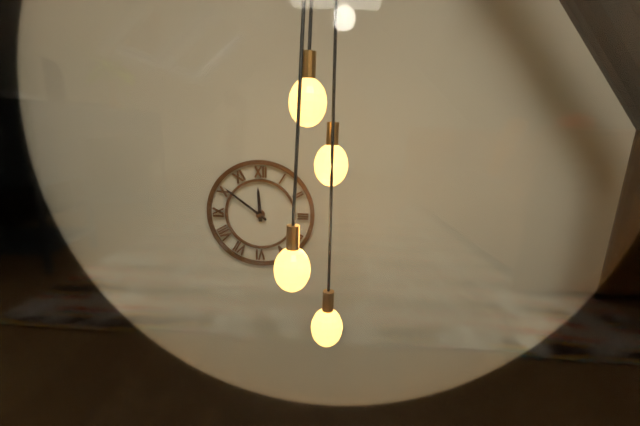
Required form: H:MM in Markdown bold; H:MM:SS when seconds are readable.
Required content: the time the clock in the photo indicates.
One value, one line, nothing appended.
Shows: **11:51**
